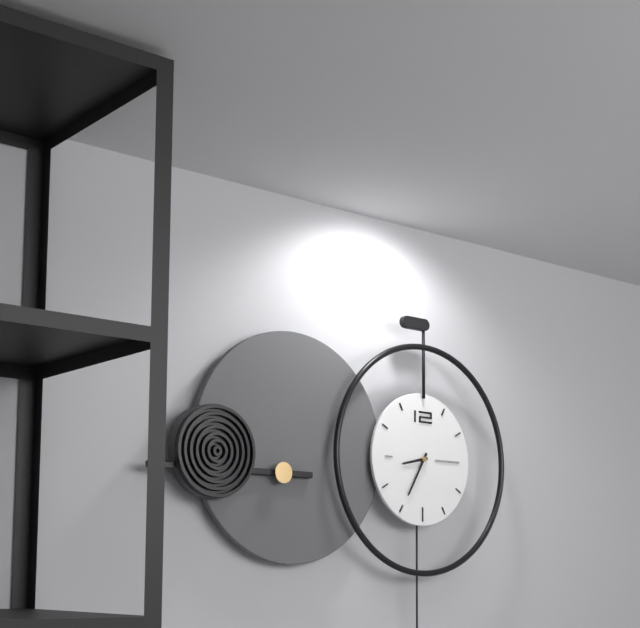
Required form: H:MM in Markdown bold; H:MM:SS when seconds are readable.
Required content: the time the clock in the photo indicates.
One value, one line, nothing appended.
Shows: **8:35**
